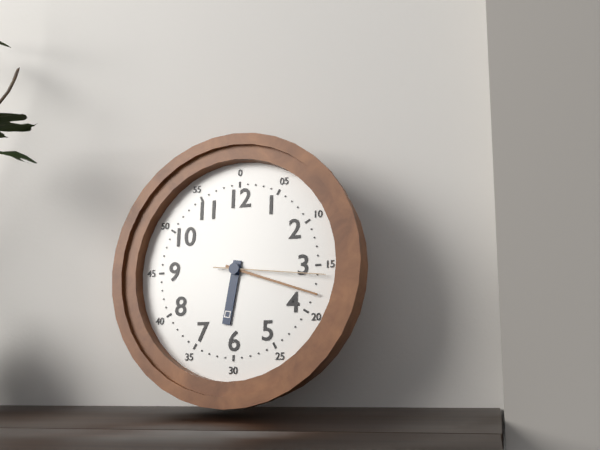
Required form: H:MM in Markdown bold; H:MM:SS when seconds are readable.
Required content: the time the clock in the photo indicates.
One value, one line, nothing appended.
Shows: **6:18:16**
